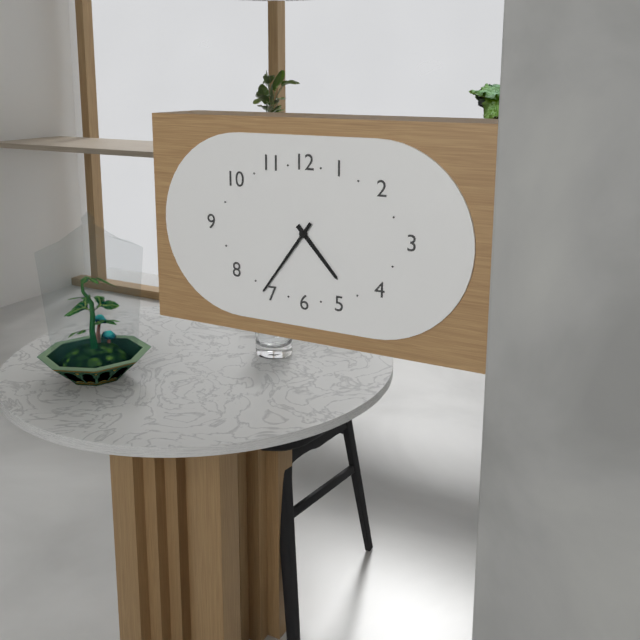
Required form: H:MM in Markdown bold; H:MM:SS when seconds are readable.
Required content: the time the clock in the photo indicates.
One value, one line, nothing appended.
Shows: **4:36**
